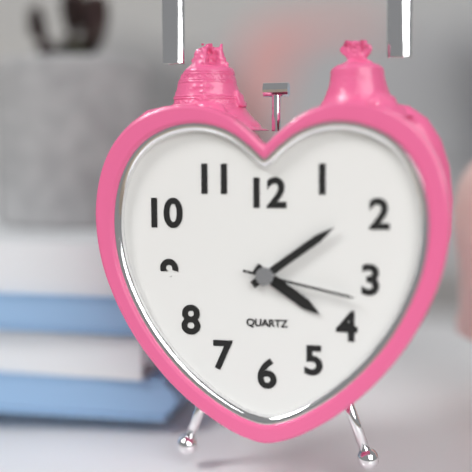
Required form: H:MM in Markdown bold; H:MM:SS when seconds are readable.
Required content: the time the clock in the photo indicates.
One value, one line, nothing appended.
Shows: **4:09:17**
